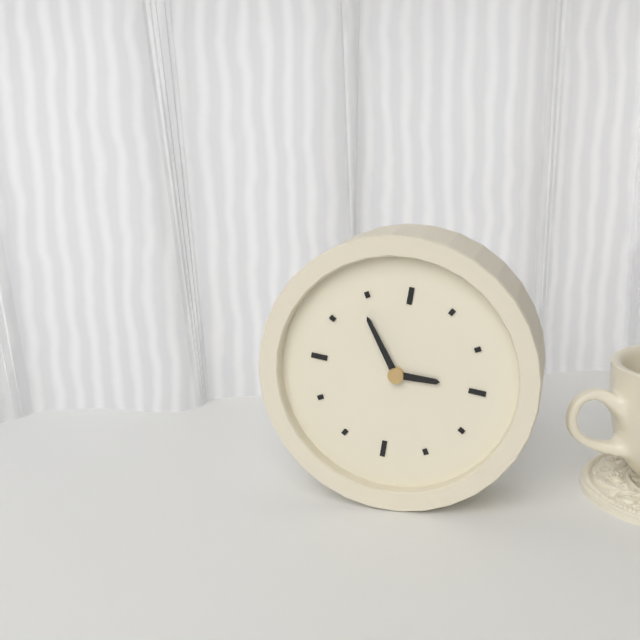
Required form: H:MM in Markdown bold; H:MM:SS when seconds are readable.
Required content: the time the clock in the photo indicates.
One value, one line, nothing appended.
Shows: **2:54**
